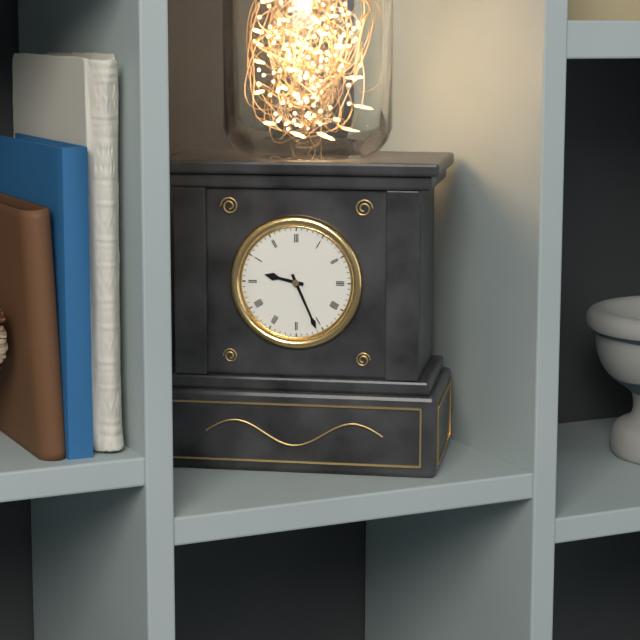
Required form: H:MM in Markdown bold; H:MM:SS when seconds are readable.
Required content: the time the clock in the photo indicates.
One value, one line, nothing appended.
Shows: **9:26**
